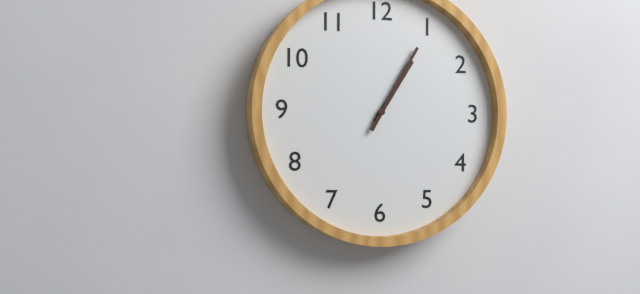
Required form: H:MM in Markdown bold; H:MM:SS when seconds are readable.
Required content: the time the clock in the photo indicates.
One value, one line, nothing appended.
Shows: **1:05**
